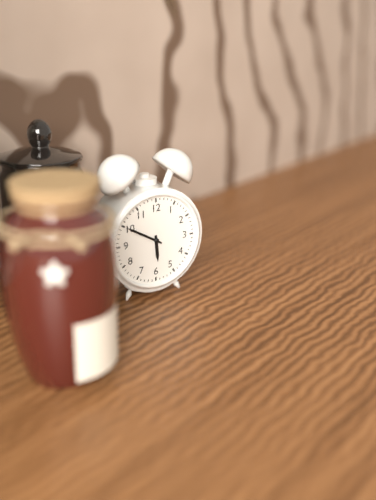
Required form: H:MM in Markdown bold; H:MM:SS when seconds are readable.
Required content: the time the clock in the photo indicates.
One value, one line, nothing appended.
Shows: **5:50**
